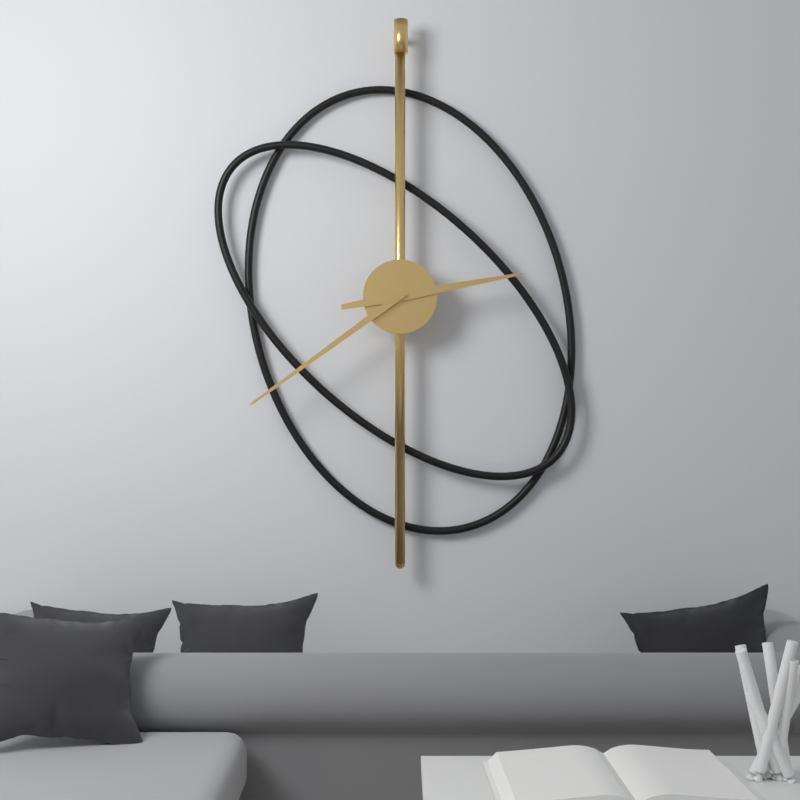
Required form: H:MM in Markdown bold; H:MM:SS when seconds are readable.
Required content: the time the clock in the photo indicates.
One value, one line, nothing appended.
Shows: **2:39**
